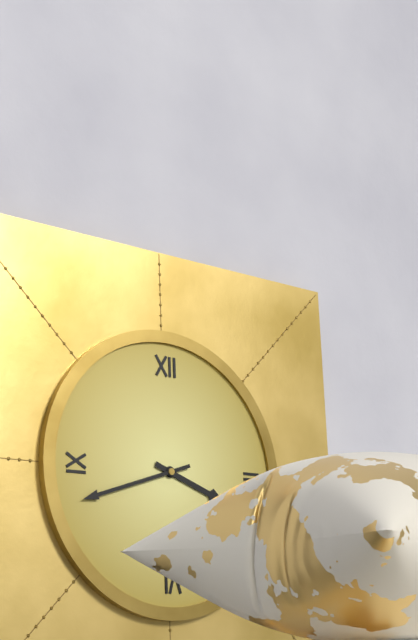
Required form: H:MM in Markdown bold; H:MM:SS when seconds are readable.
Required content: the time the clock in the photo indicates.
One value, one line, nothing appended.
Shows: **3:42**
